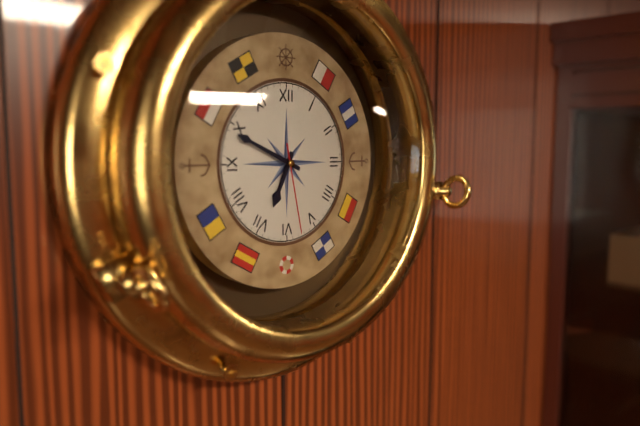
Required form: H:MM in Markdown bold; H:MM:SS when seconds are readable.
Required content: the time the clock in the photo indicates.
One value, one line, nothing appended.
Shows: **6:49:28**
